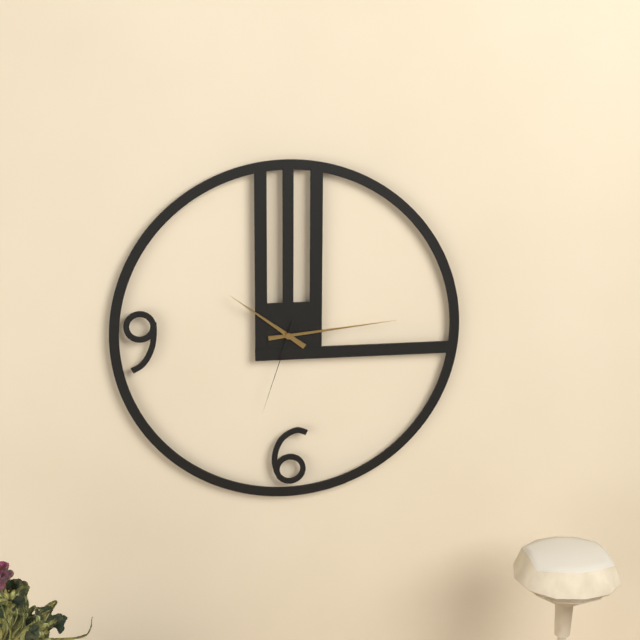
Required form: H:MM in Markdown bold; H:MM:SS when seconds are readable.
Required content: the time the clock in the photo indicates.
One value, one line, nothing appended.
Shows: **10:14:33**
